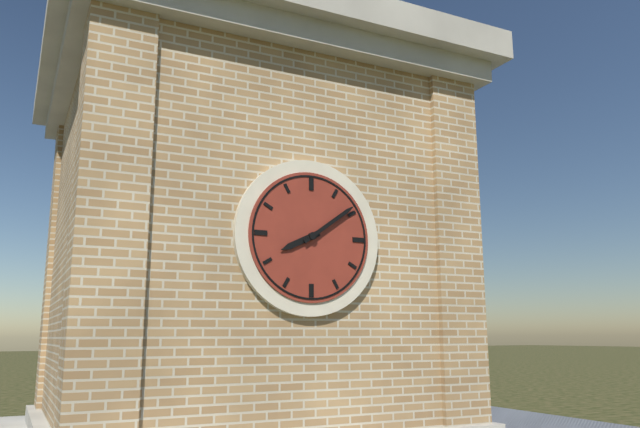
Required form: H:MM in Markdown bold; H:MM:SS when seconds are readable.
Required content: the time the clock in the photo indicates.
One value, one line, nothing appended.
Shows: **8:09**
